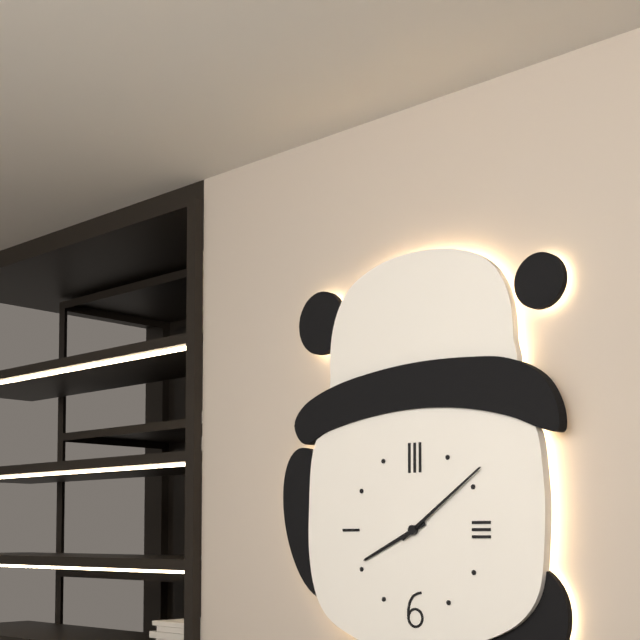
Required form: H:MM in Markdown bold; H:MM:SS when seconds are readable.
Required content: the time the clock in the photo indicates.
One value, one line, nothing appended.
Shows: **8:09**
